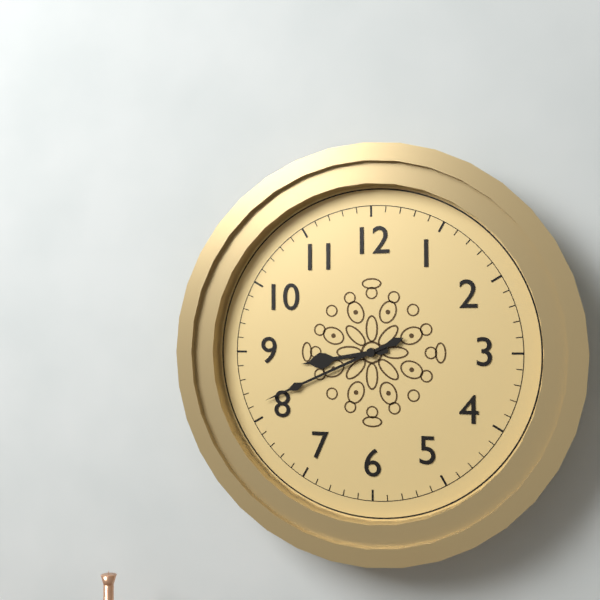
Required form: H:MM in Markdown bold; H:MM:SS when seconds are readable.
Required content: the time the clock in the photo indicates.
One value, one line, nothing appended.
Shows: **8:41**
